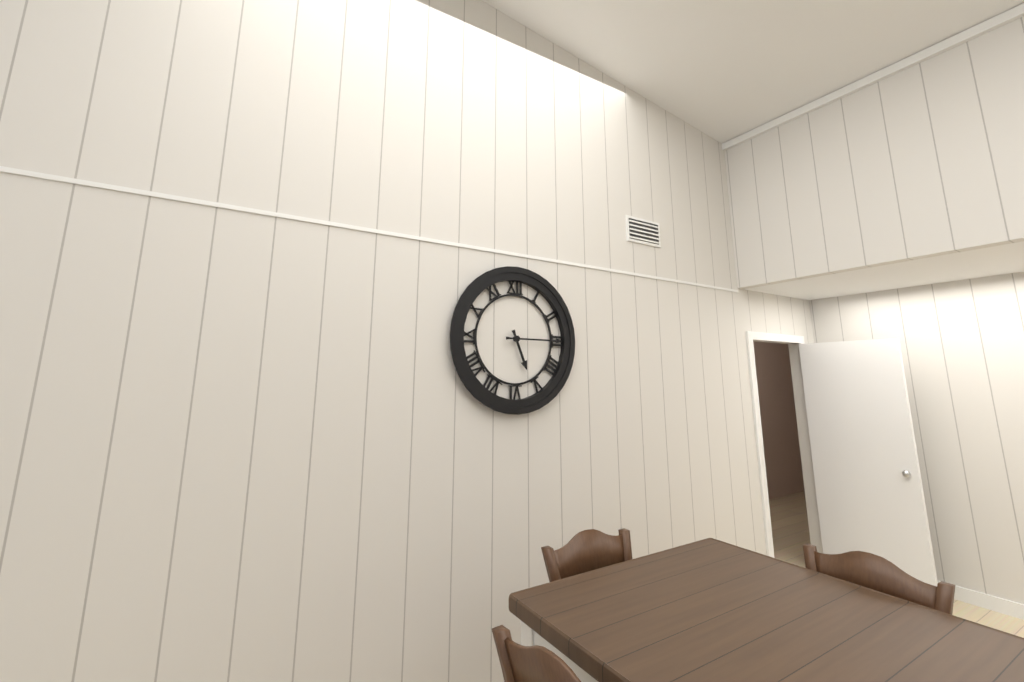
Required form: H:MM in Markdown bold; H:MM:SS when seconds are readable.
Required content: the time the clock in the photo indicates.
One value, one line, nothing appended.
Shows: **5:15**
